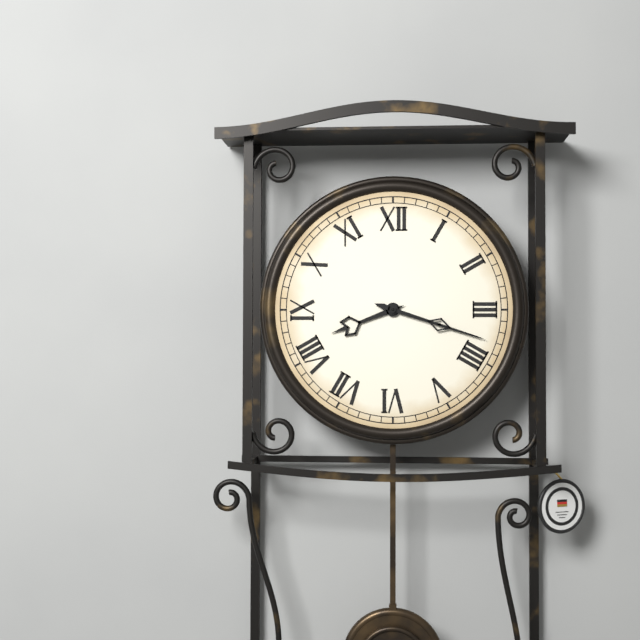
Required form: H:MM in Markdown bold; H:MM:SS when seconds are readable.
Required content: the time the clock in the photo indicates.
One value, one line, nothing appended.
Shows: **8:18**
